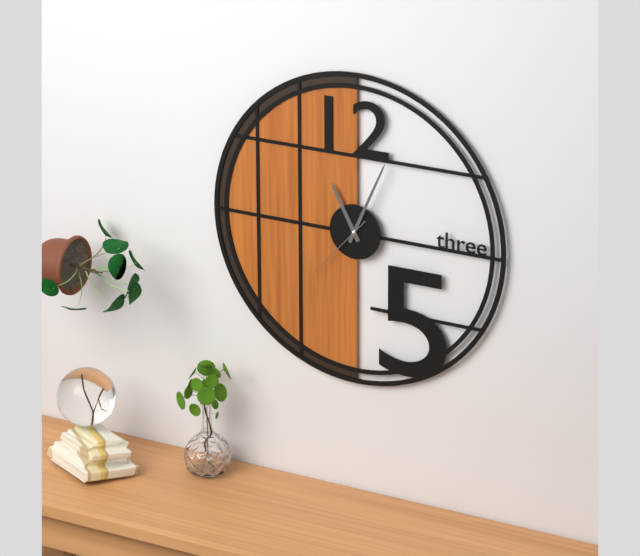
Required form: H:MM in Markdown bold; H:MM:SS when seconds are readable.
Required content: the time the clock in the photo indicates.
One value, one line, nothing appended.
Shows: **11:04:37**
